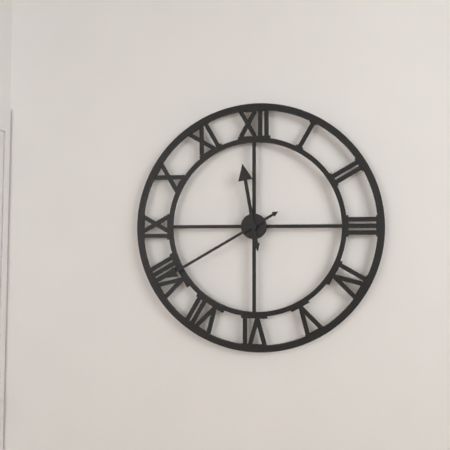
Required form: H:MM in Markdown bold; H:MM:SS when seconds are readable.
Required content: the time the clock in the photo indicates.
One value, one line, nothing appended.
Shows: **11:40**
